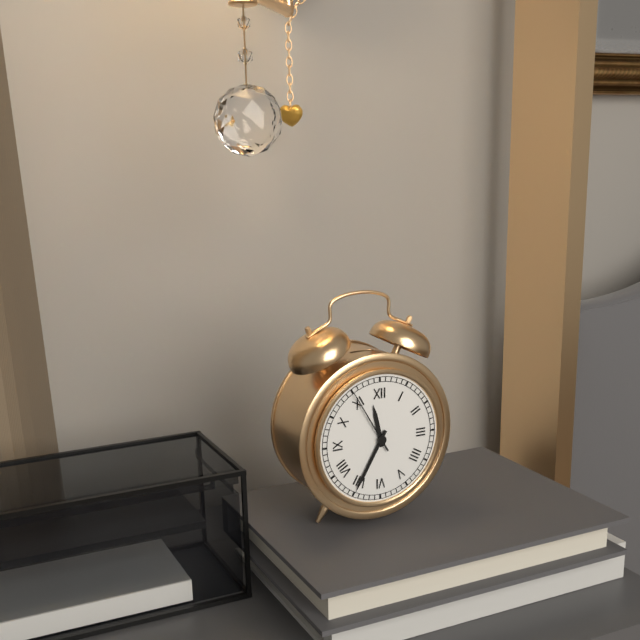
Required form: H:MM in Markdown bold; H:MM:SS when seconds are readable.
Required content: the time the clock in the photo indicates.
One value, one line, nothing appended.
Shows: **11:35:55**
